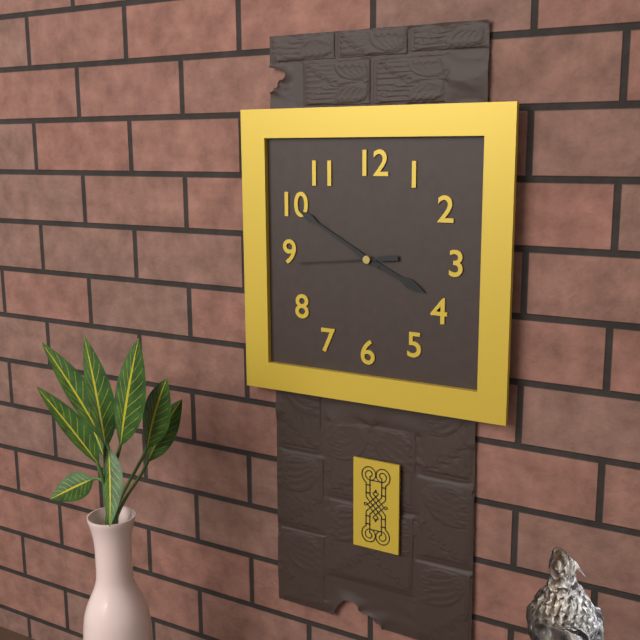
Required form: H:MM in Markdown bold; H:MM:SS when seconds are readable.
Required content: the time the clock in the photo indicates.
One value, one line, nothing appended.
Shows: **3:50:44**
